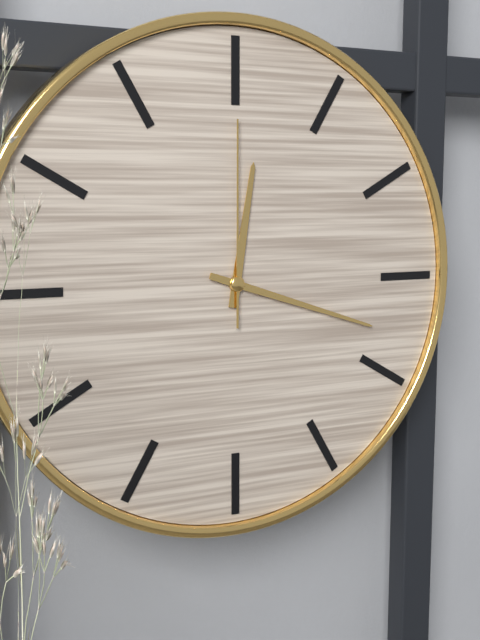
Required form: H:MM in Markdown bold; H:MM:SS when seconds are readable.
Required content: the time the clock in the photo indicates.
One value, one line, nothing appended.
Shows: **12:18:00**
